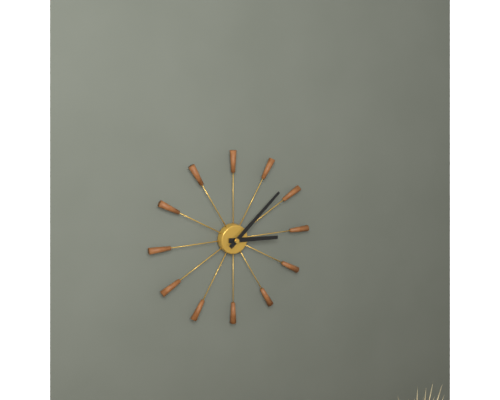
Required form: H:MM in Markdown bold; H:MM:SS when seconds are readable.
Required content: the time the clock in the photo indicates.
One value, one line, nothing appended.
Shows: **3:08**
